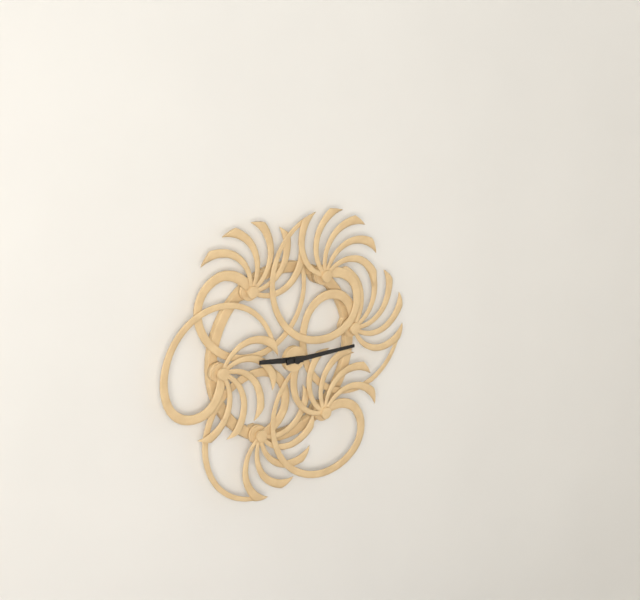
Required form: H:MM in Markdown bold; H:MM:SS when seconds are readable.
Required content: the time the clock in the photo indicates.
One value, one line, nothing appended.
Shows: **9:15**
